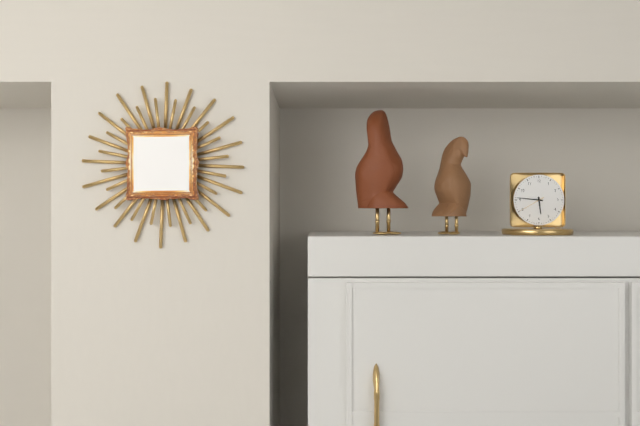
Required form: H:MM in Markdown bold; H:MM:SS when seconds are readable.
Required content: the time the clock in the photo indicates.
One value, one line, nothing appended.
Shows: **5:46**
